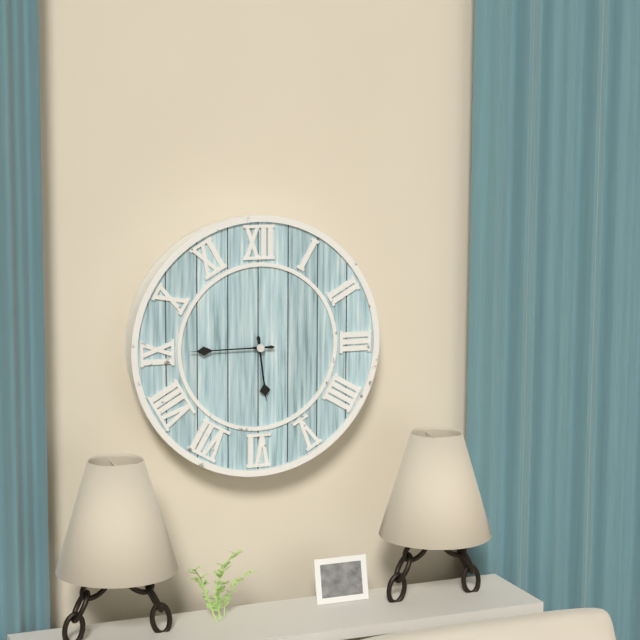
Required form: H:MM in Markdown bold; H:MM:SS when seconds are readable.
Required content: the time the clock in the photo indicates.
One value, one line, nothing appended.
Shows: **5:45**
